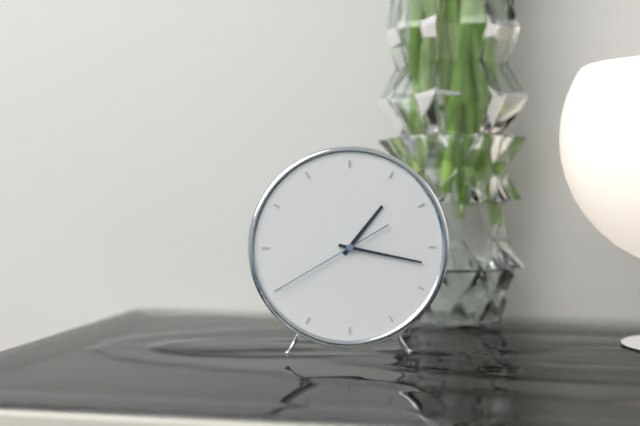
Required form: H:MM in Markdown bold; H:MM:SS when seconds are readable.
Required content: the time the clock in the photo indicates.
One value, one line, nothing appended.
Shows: **1:17:40**
